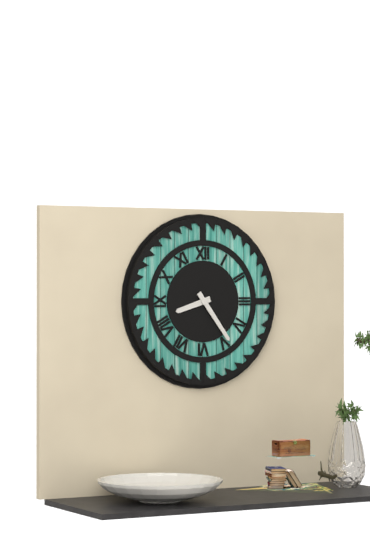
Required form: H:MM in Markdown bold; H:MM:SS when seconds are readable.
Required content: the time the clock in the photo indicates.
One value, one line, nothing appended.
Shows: **8:24**
